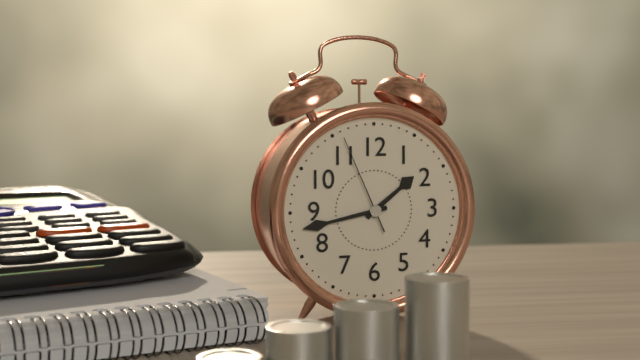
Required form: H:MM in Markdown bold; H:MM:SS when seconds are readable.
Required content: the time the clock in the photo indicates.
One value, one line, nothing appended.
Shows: **1:43:56**
